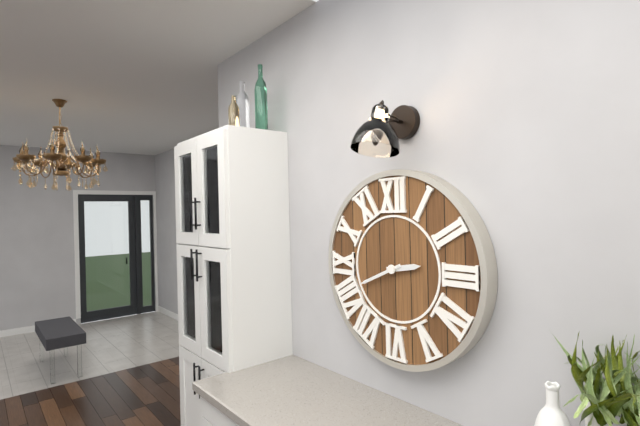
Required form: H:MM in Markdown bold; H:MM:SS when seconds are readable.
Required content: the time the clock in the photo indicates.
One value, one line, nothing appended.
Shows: **2:41**
